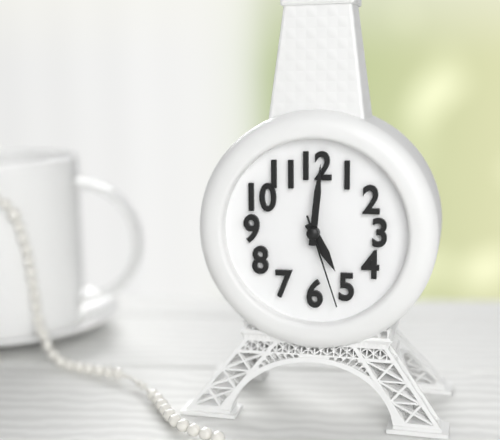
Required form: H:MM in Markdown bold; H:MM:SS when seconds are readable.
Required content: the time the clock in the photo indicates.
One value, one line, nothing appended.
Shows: **5:01:27**
